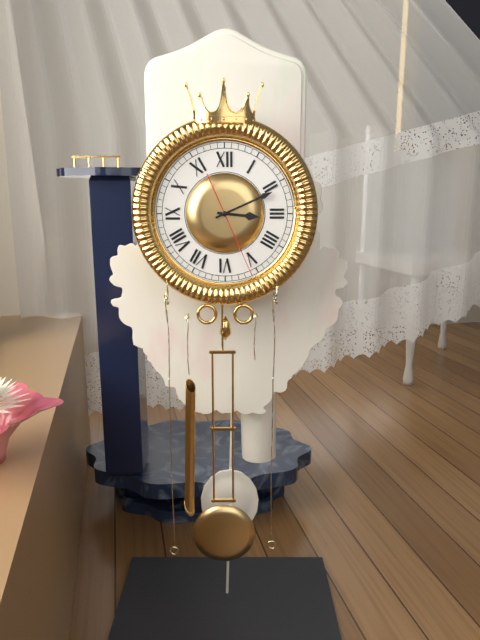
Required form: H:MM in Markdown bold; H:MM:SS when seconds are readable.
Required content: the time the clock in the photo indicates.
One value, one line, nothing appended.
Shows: **3:11:26**
